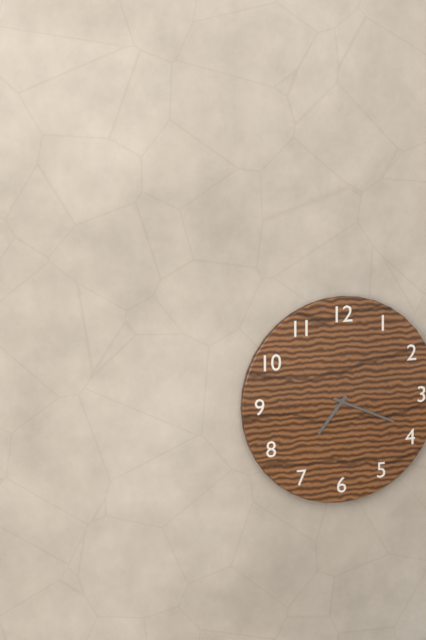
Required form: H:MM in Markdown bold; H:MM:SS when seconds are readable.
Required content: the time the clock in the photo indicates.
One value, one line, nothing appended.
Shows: **7:19**
